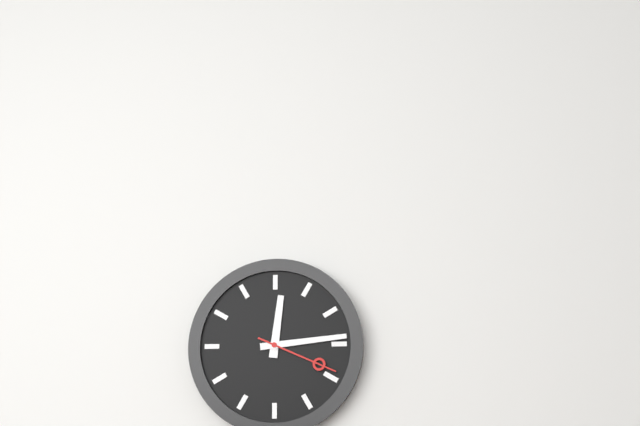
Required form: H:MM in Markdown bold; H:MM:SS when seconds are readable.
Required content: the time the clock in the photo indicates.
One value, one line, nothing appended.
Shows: **12:14:19**
